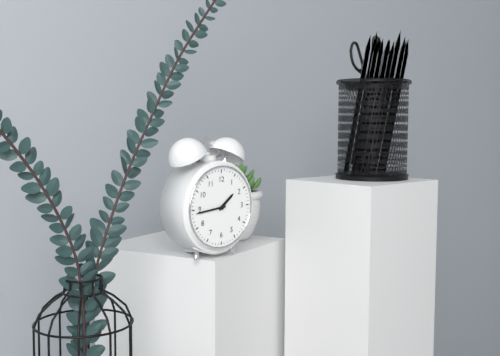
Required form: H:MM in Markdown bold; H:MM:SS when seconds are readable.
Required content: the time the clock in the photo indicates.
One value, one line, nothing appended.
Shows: **1:44**
